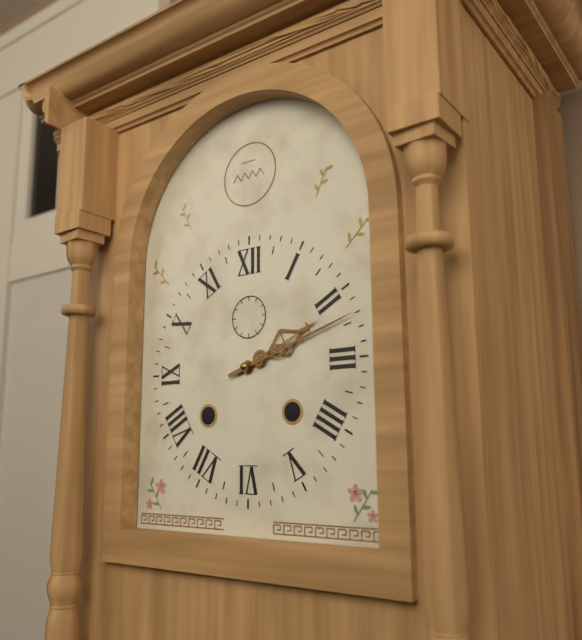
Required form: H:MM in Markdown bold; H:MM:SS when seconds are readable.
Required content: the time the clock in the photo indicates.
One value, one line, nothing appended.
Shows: **2:12**
